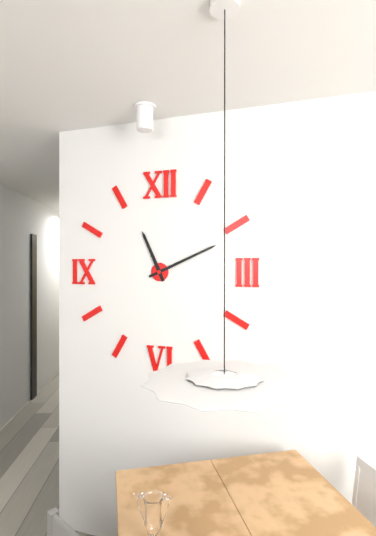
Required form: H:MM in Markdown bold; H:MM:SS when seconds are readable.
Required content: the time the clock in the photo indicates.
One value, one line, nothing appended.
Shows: **11:11**
